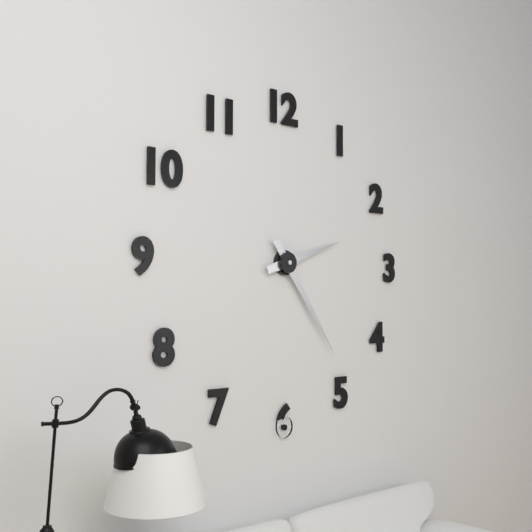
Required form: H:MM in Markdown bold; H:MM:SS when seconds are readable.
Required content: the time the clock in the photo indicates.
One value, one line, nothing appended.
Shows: **2:24**
